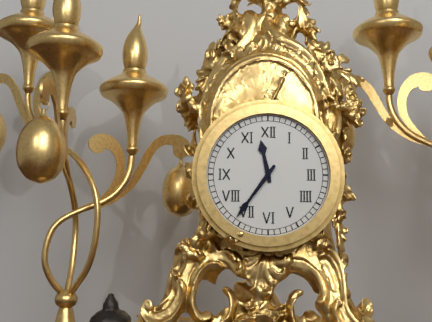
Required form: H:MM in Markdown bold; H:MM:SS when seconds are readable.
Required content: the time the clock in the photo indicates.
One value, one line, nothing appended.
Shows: **11:36**
